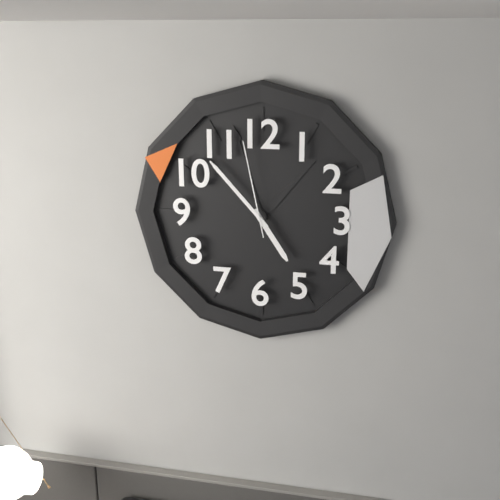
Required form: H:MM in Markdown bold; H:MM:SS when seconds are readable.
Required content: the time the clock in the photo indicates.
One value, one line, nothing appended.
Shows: **4:53:58**
